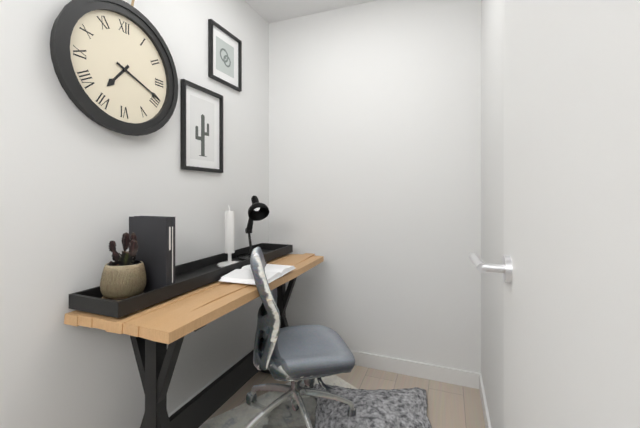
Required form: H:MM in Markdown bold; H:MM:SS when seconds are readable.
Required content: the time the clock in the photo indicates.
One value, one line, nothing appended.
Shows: **7:19**
